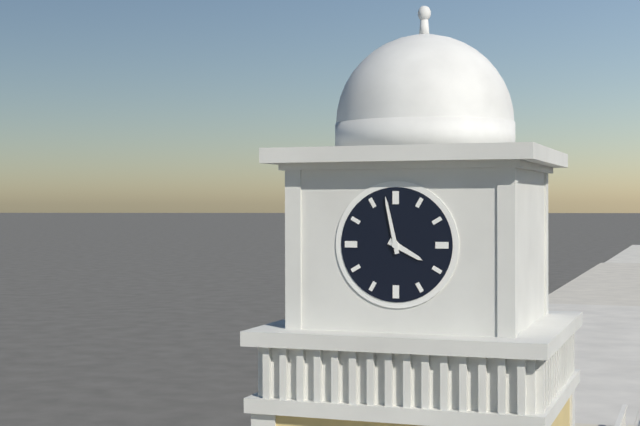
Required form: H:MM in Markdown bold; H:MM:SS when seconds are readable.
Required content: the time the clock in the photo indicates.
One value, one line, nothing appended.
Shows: **3:58**
